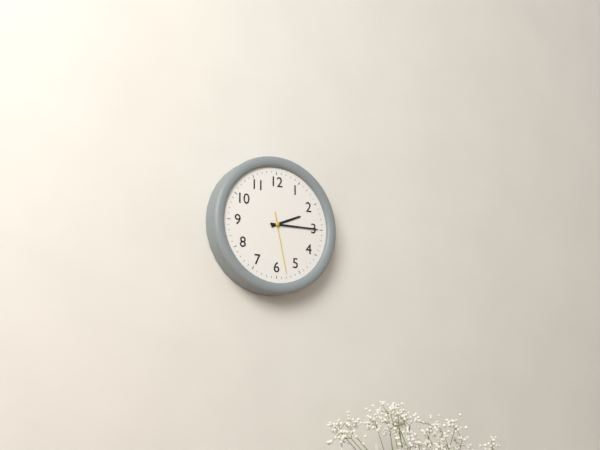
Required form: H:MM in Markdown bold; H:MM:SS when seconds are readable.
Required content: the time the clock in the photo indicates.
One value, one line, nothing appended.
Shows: **2:15:28**
